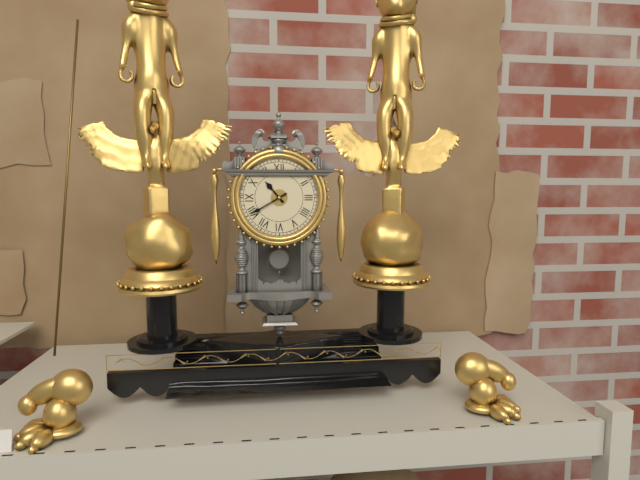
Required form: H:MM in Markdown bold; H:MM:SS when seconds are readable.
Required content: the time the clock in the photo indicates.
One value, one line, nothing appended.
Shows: **10:40**
